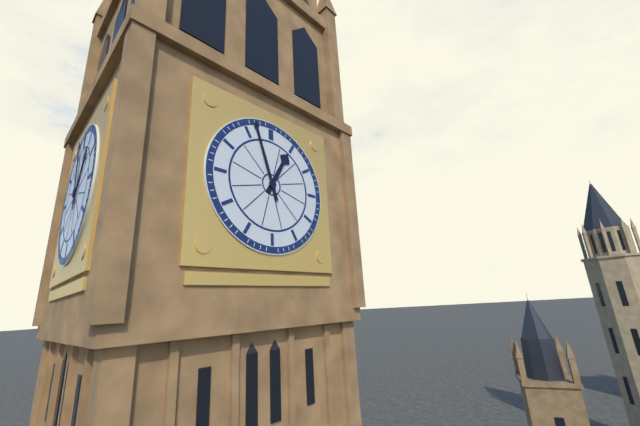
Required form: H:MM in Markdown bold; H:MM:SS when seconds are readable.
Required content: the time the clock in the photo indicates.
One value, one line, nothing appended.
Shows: **12:57**
